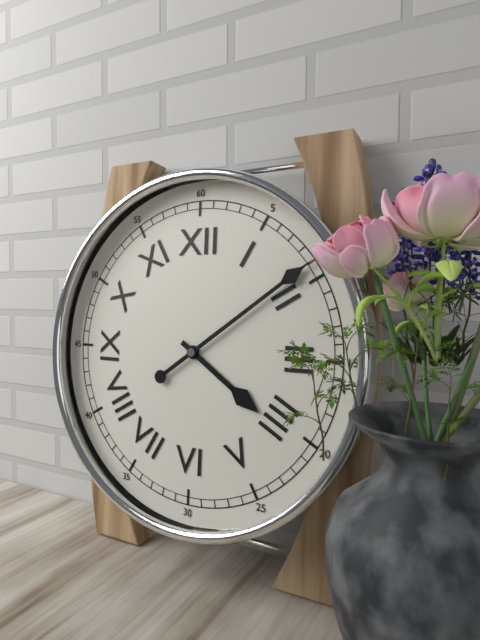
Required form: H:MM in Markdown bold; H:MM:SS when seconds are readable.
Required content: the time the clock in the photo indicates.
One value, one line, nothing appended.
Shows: **4:09**
